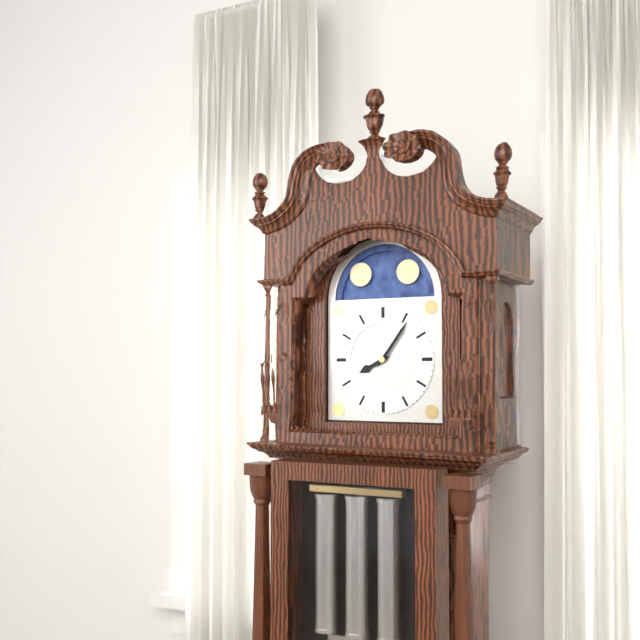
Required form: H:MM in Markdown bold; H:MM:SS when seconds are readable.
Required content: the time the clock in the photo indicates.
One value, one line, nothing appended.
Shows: **8:06**
